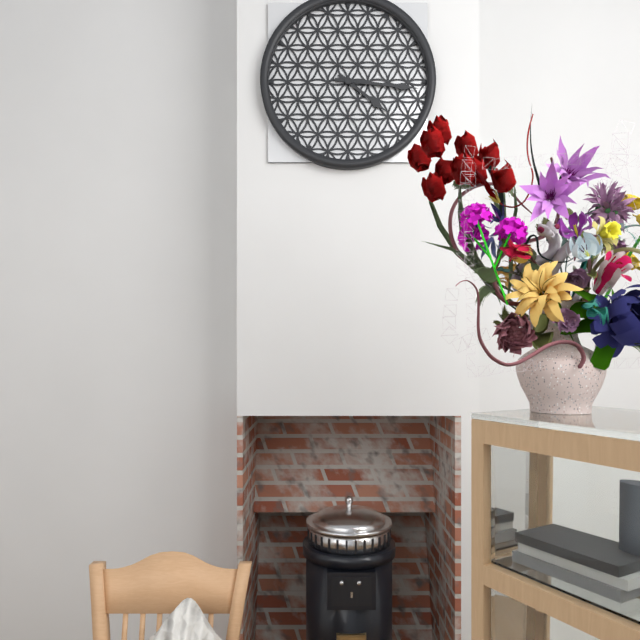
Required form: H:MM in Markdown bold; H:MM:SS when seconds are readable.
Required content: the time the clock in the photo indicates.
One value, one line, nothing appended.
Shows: **4:16**
